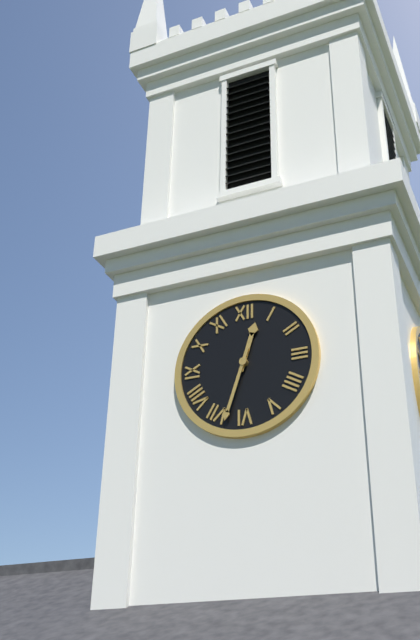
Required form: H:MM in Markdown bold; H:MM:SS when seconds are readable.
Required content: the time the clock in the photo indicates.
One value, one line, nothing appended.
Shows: **12:33**
